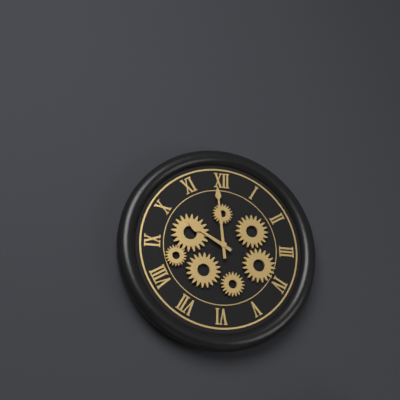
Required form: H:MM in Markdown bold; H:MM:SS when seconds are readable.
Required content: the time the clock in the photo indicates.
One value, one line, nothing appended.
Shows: **9:59**
